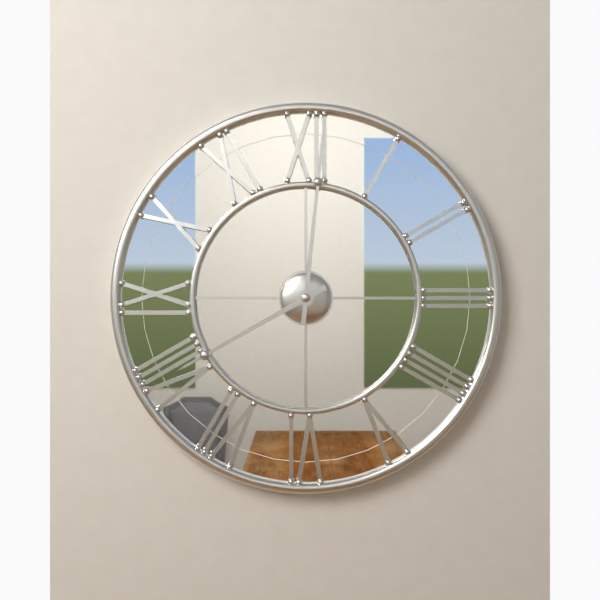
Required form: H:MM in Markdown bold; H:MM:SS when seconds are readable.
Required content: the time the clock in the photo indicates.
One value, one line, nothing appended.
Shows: **8:01**
